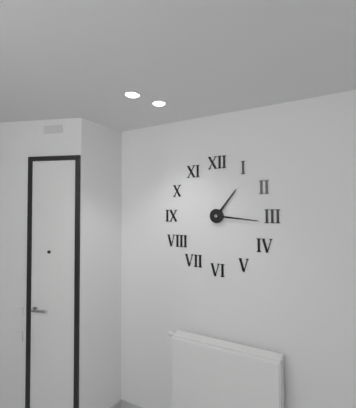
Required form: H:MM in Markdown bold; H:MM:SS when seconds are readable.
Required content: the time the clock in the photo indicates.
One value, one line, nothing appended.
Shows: **1:16**
